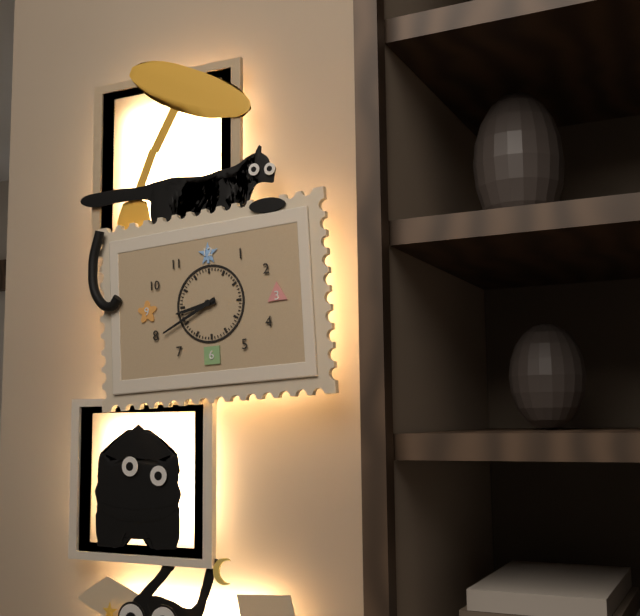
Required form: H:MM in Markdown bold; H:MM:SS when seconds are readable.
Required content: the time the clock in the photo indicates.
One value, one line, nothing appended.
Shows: **8:41**
